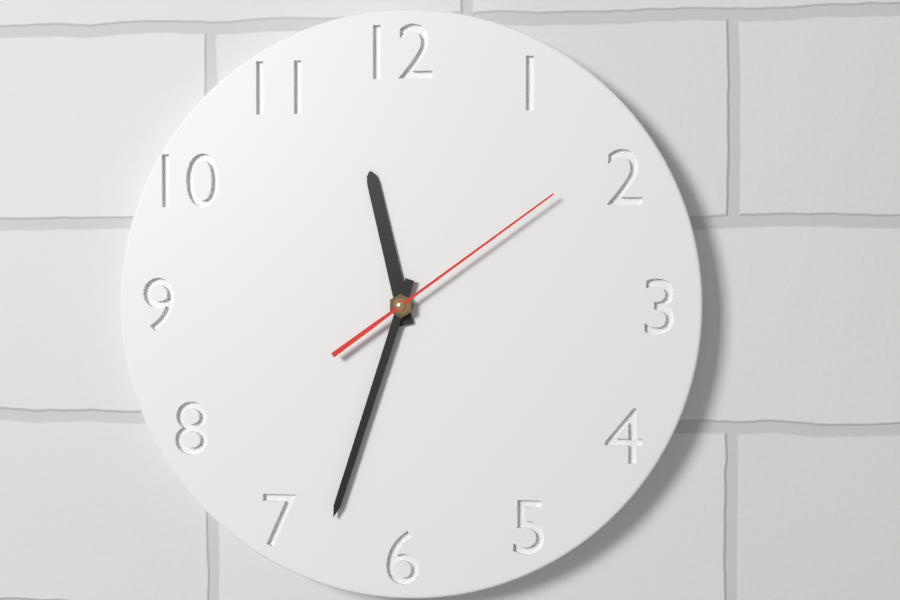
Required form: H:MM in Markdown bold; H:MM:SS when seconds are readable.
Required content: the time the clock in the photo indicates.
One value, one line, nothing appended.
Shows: **11:33:09**
